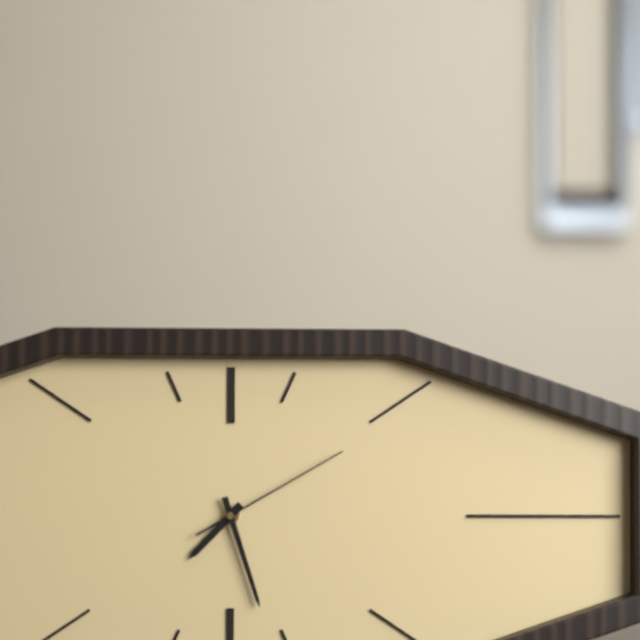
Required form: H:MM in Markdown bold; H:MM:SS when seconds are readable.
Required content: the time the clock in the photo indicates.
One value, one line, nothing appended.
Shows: **7:27:10**
